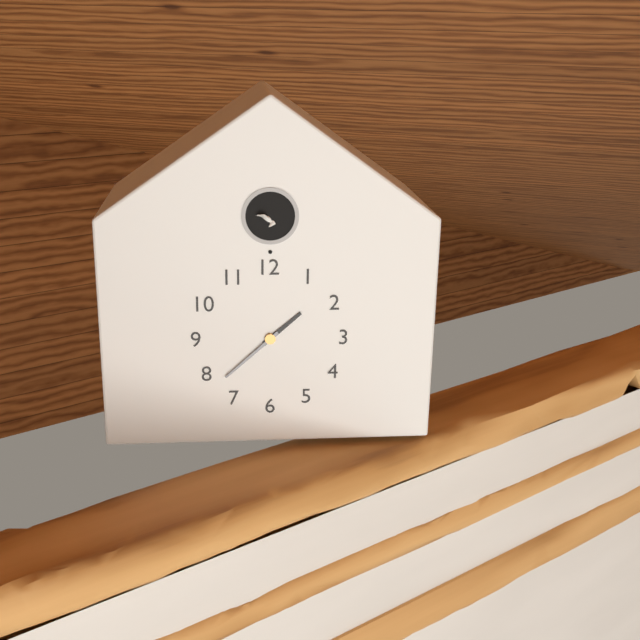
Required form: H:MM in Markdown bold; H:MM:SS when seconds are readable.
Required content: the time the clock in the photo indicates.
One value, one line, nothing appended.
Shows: **1:38**
